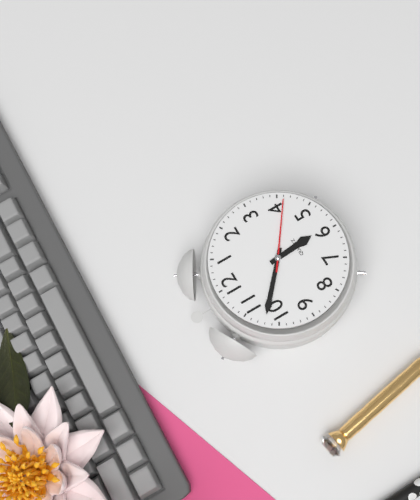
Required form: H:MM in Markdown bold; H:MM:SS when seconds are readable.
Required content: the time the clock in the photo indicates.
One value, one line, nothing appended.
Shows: **5:52:21**
